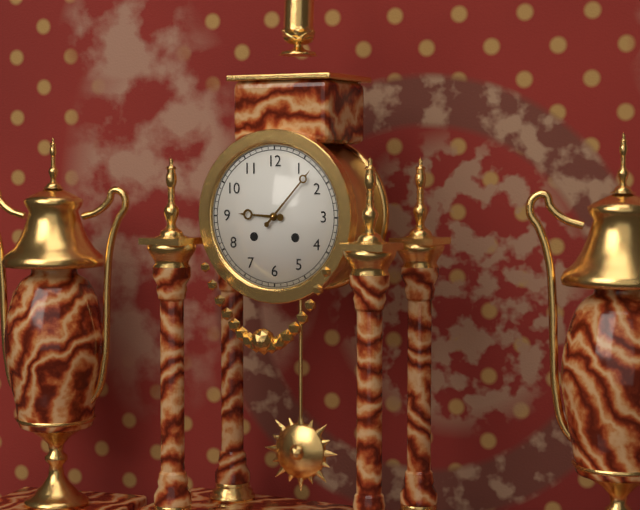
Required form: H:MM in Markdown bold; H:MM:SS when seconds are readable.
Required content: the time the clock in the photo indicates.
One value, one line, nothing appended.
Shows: **9:07**
